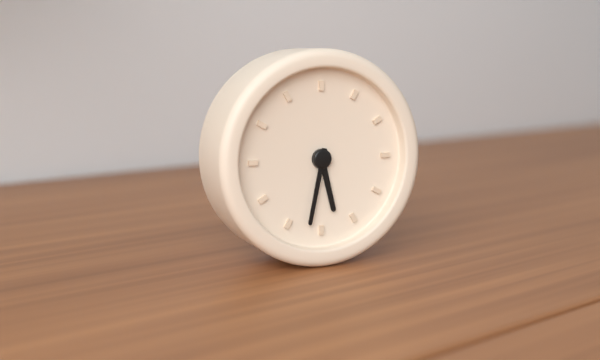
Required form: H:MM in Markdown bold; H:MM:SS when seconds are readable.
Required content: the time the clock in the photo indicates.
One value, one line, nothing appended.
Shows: **5:32**
